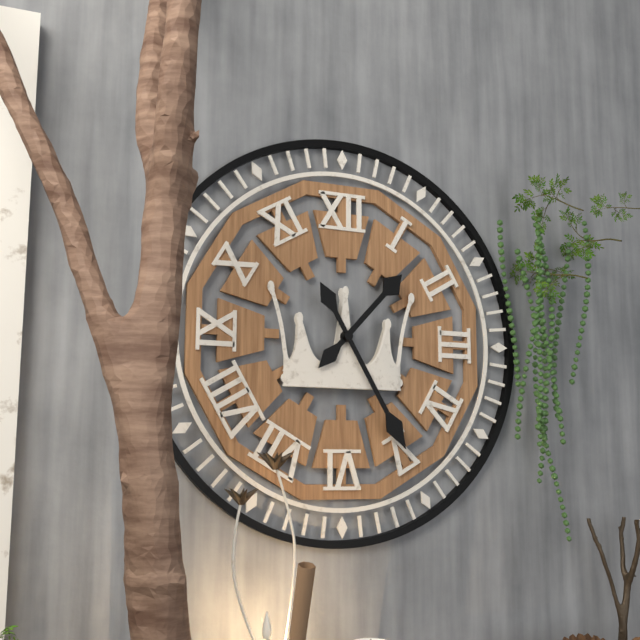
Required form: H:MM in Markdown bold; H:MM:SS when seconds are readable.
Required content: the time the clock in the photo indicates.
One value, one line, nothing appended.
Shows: **1:25**
